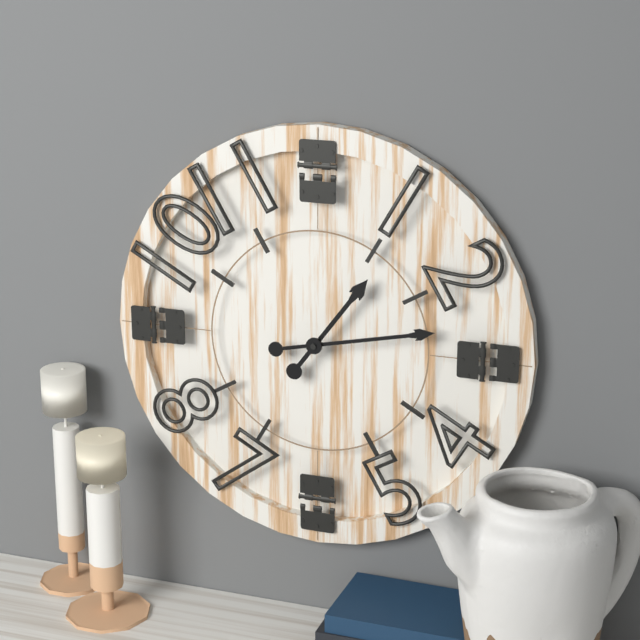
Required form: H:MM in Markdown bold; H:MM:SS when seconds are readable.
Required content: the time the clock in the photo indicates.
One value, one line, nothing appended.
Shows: **1:13**
